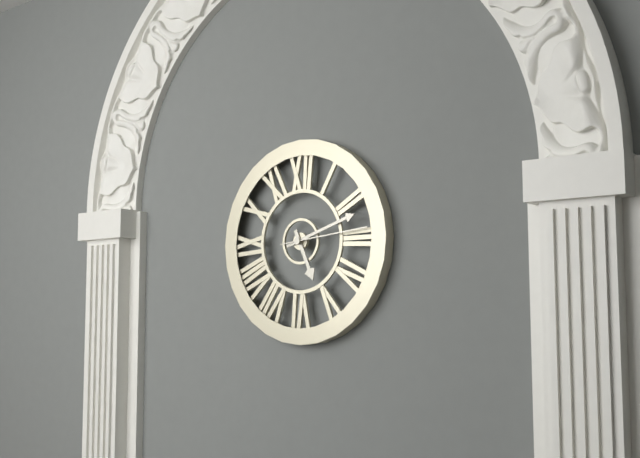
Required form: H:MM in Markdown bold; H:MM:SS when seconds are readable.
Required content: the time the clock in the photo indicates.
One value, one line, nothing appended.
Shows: **5:12:14**
